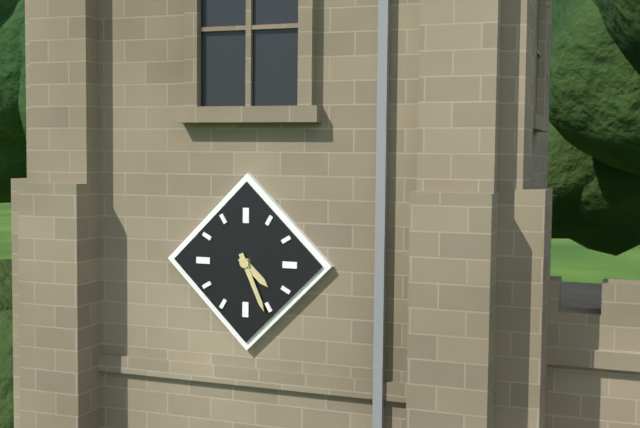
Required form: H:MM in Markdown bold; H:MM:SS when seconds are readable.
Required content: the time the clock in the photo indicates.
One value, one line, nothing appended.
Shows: **4:26**
